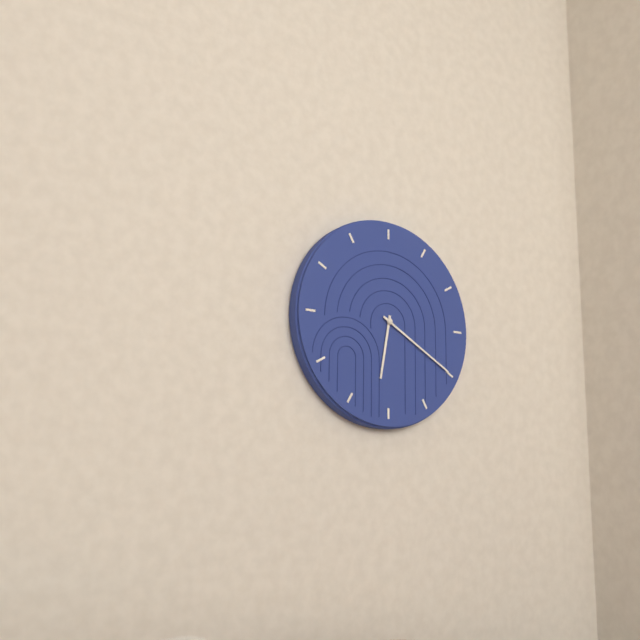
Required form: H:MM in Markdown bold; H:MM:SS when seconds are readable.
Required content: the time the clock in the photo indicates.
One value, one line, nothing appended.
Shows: **6:20**
